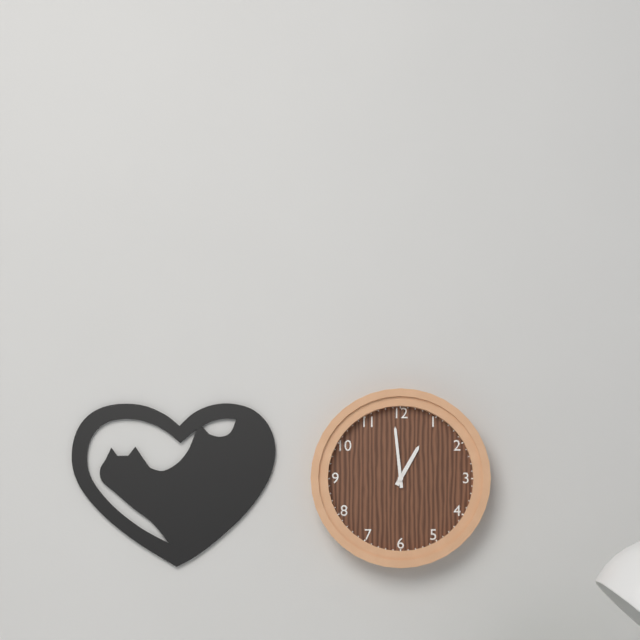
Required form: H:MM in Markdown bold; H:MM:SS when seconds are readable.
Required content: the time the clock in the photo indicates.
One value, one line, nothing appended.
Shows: **12:59**
